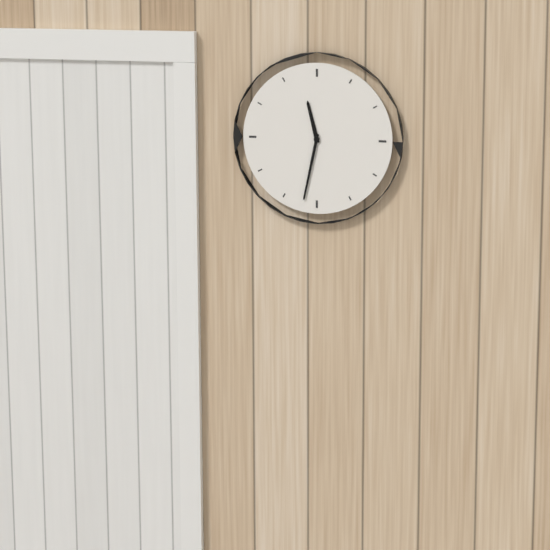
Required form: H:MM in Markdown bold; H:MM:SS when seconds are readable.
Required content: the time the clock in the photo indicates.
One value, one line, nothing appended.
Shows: **11:32**
